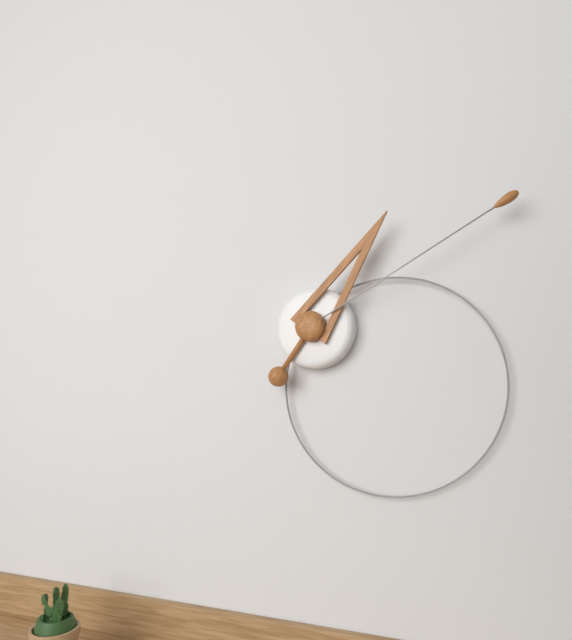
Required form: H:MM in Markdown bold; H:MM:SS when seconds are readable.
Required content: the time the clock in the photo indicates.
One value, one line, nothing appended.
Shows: **1:10**
